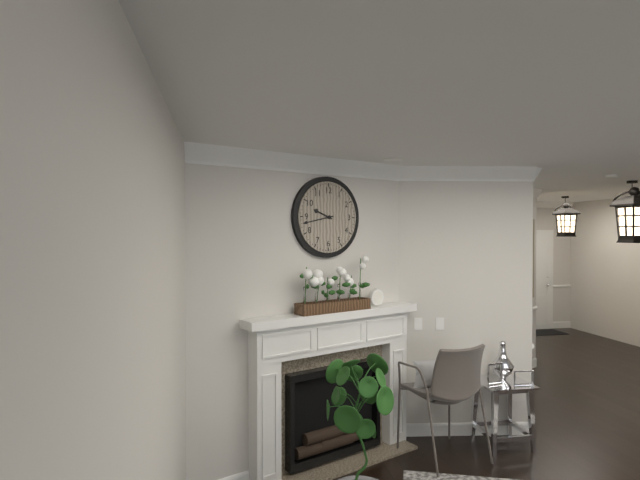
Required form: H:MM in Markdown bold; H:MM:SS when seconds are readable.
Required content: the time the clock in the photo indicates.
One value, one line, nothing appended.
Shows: **9:43**
